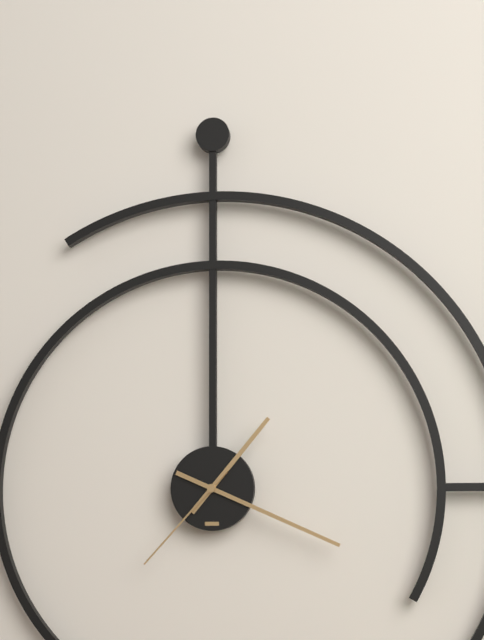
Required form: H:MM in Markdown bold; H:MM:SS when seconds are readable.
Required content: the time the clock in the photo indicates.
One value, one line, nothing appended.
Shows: **1:19:37**
